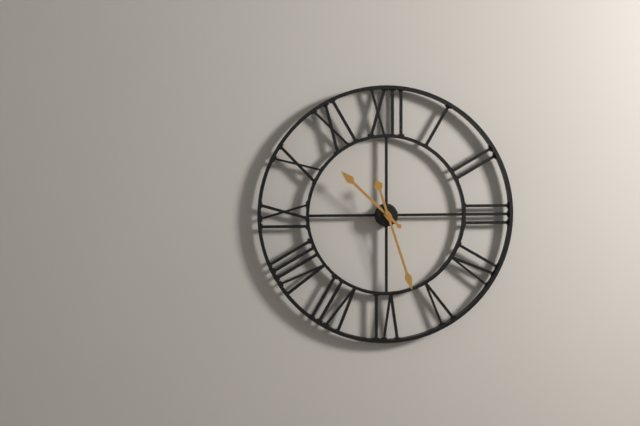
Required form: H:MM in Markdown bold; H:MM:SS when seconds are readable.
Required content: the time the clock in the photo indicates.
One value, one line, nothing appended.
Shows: **10:27**
